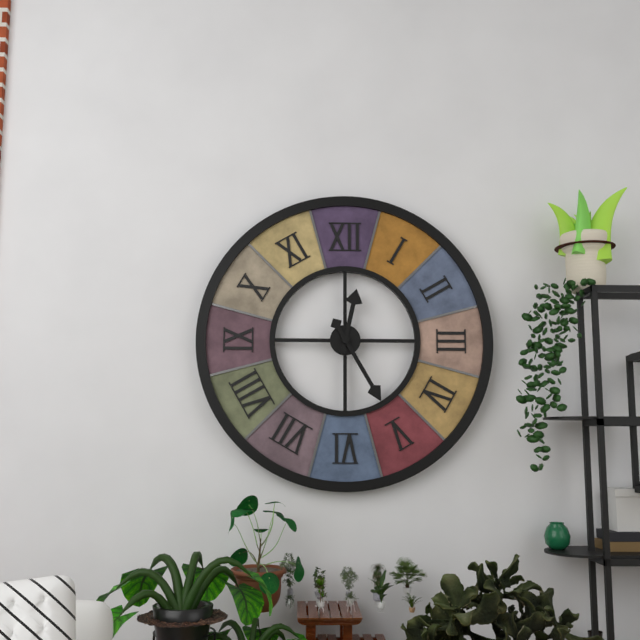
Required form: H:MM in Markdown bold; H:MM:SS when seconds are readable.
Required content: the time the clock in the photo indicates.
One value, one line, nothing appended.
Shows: **12:25**
